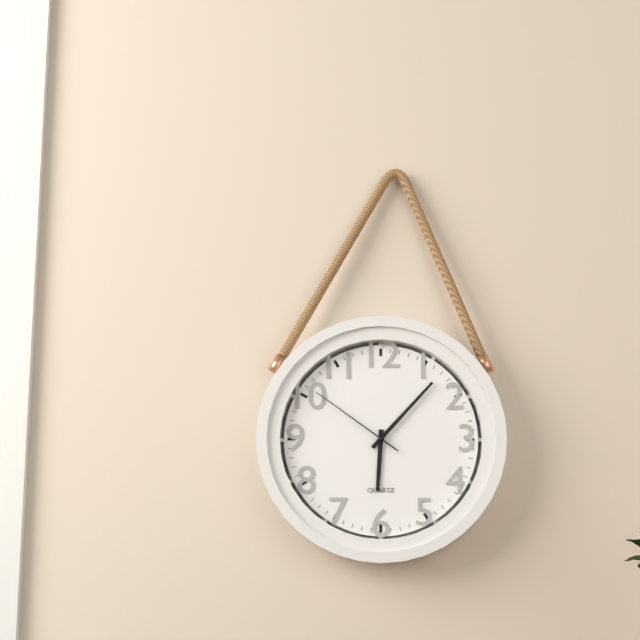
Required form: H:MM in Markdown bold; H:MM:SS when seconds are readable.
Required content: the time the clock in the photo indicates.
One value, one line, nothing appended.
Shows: **6:07:51**
